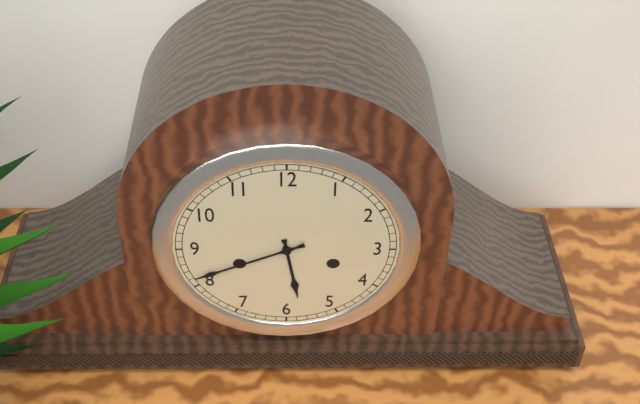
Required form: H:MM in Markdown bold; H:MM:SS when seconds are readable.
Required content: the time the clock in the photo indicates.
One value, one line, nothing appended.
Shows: **5:41**
